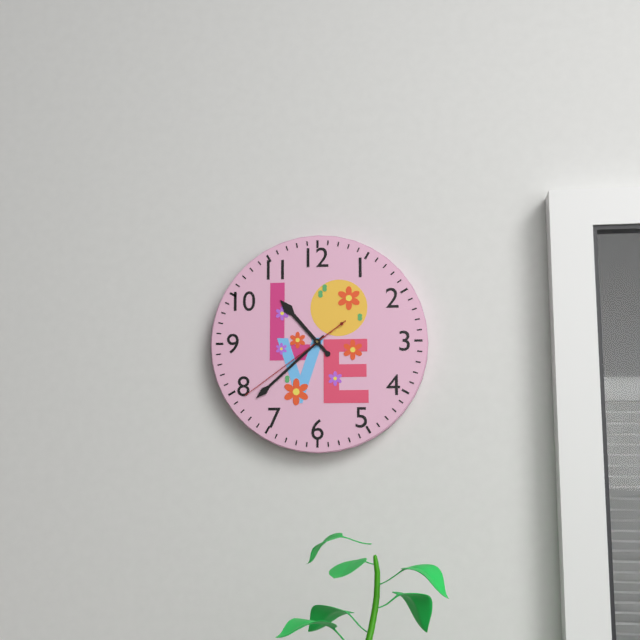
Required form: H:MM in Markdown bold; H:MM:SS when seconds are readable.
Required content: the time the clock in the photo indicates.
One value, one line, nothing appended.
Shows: **10:38:39**
